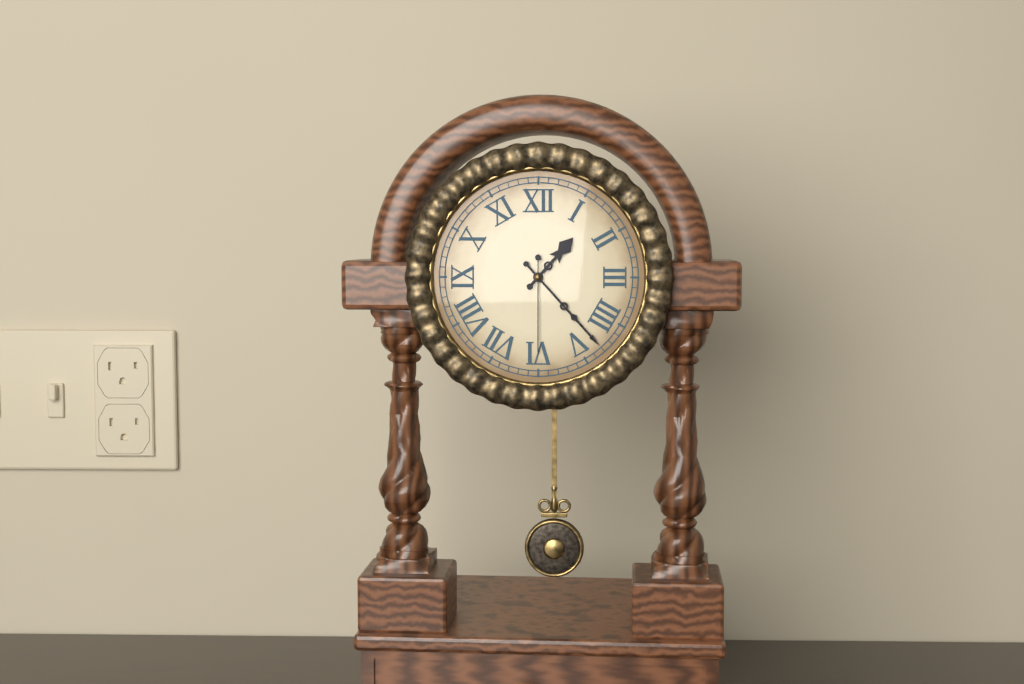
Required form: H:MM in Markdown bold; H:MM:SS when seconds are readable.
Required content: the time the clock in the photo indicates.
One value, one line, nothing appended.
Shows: **1:23:30**
